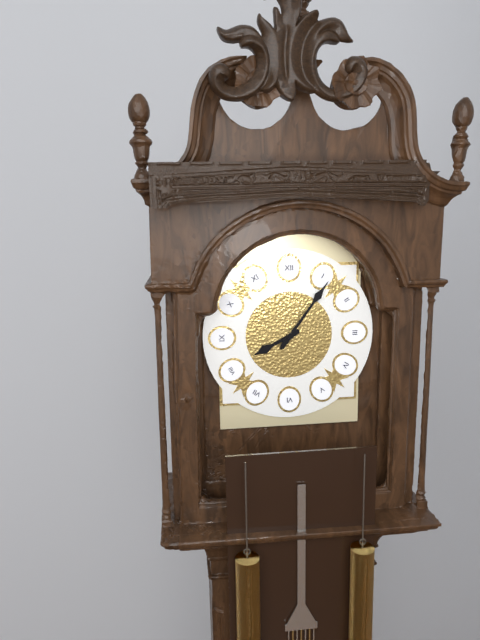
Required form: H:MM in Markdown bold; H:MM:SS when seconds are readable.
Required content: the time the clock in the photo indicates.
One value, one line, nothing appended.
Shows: **8:06**
